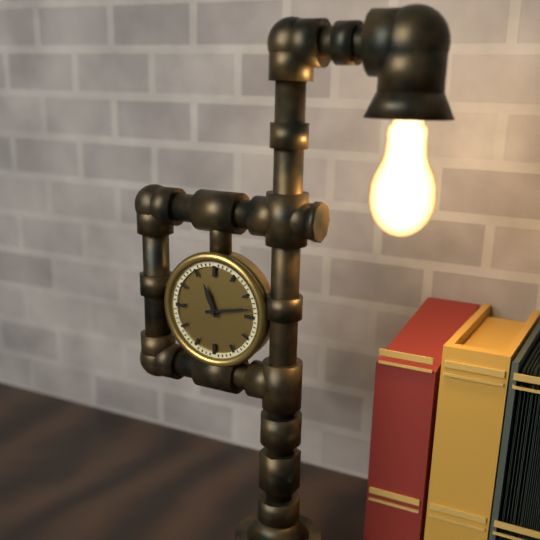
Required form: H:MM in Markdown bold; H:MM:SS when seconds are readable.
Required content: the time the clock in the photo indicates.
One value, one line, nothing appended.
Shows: **11:13**
